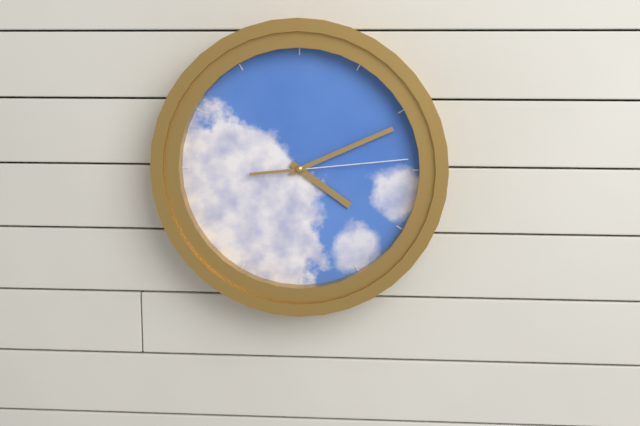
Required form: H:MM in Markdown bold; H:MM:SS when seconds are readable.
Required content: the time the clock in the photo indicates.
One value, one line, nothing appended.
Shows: **4:11:14**
